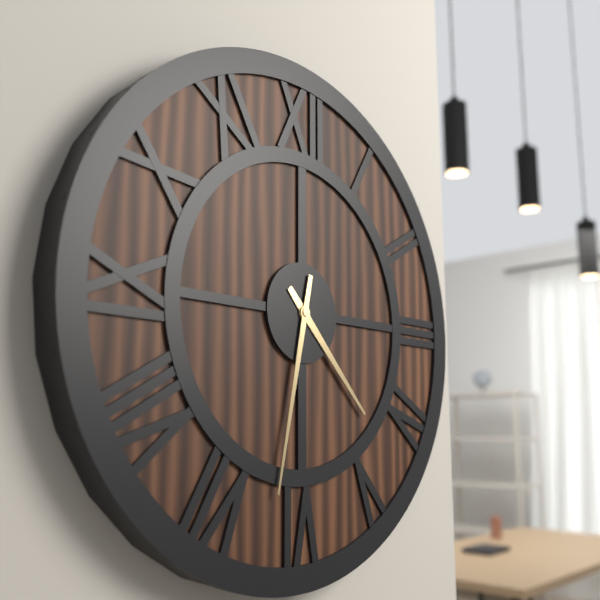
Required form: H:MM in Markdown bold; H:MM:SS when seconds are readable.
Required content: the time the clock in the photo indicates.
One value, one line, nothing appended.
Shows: **4:32**
